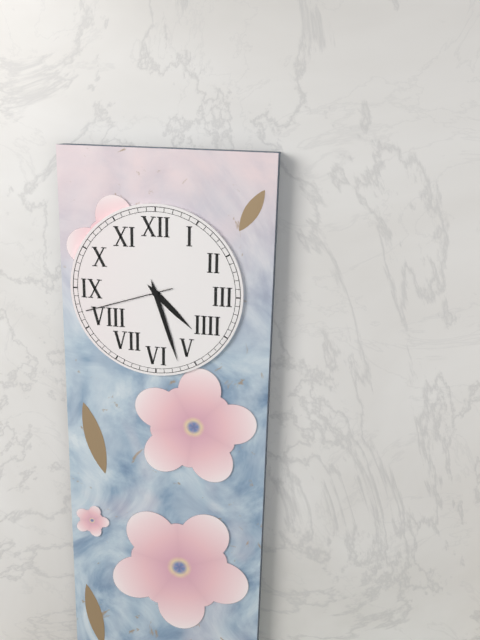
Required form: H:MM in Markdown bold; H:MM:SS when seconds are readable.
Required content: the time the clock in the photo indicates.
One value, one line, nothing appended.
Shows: **4:27:42**
